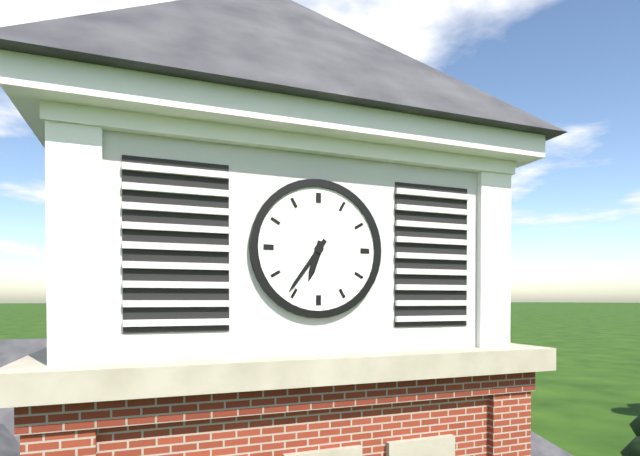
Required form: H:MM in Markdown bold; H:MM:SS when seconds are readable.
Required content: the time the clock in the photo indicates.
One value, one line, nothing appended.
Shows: **6:36**
